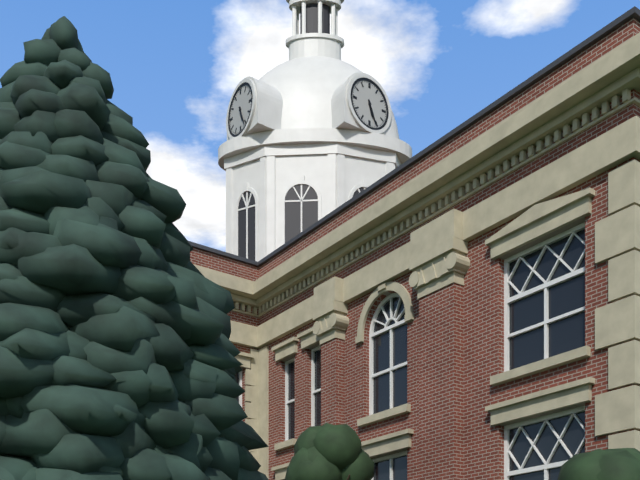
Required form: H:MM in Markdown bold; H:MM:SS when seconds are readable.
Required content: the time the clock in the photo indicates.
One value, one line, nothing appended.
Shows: **5:26**
